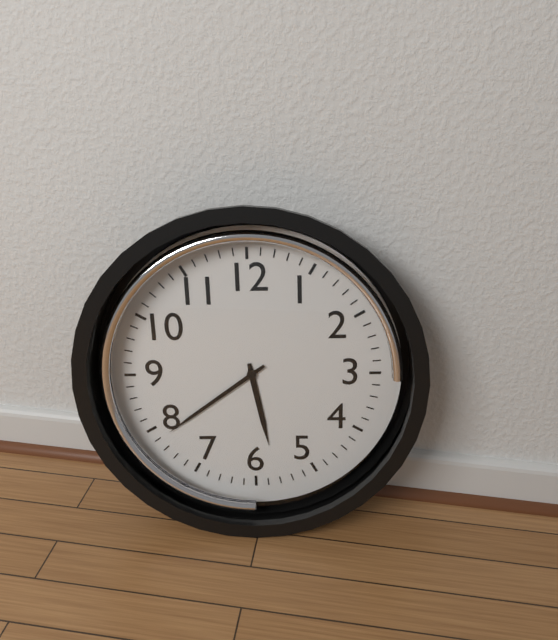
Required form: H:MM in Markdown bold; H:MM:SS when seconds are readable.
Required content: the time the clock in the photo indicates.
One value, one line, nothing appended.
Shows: **5:39**
